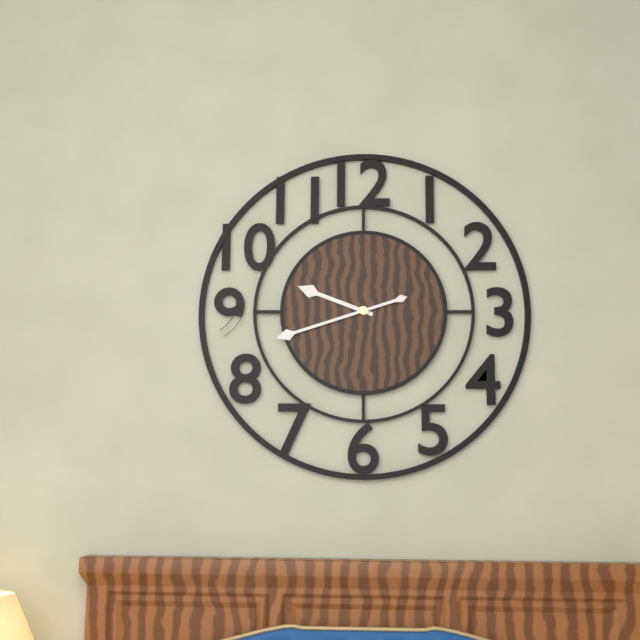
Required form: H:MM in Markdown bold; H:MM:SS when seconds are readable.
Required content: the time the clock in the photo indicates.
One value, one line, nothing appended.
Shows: **9:42**
